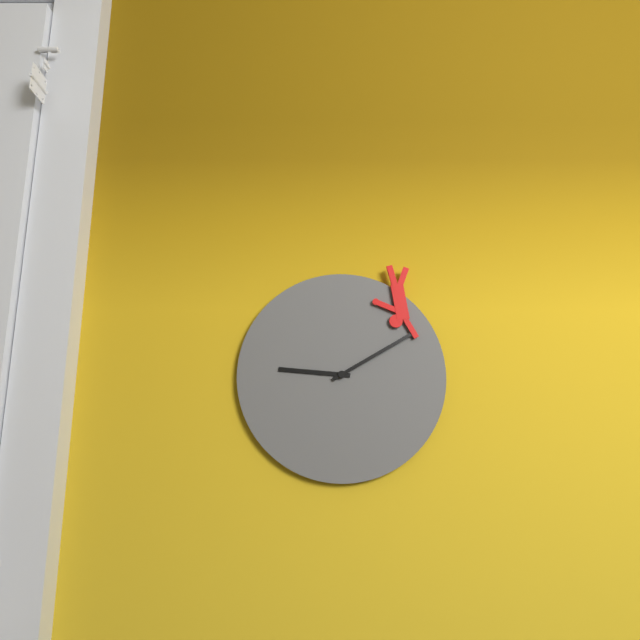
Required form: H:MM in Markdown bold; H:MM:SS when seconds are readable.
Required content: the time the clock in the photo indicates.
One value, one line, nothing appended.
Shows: **9:10**
